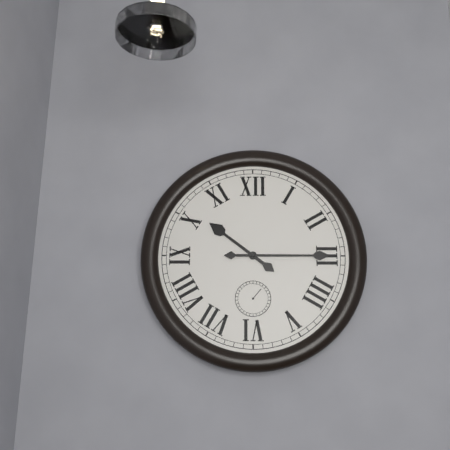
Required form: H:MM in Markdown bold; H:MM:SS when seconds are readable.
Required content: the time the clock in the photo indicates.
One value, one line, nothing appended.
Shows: **10:15**
